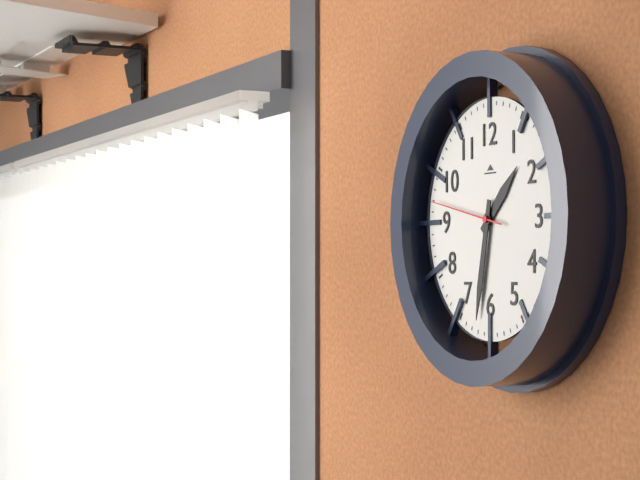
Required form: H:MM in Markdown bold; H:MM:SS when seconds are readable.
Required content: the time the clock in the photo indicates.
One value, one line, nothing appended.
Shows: **1:32:47**
